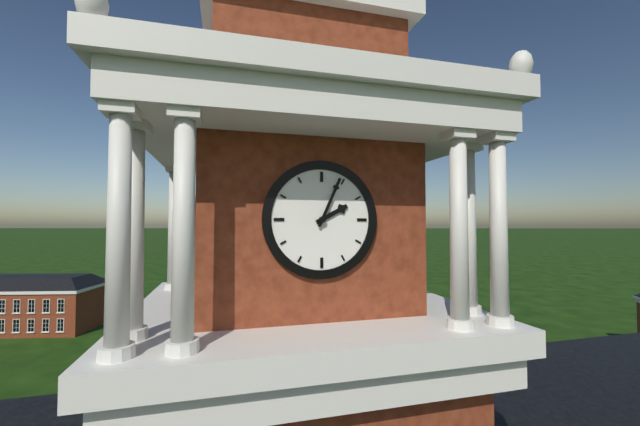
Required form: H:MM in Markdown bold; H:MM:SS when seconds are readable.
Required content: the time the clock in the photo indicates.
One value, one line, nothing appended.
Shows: **2:04**
